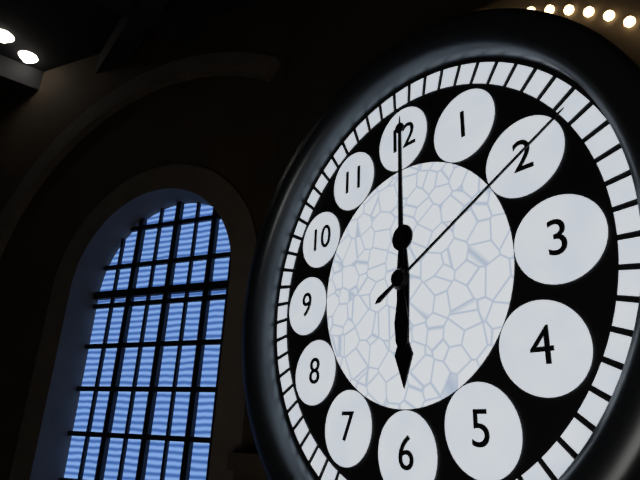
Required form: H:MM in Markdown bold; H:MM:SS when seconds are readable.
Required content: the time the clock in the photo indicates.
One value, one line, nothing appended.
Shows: **6:00:10**
